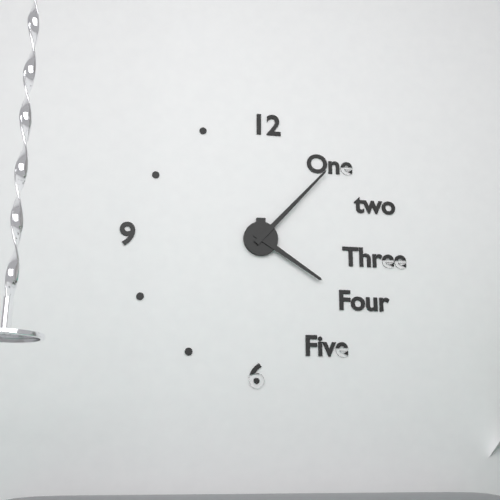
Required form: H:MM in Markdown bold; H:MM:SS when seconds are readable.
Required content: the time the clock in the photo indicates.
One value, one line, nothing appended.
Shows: **4:07**
